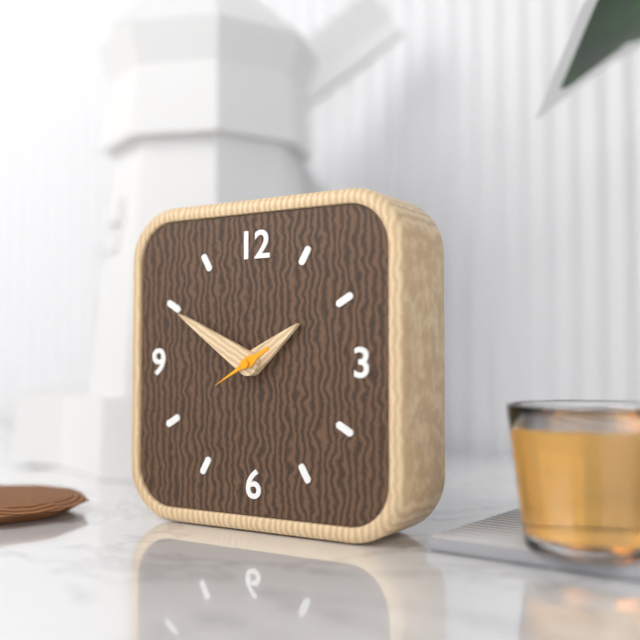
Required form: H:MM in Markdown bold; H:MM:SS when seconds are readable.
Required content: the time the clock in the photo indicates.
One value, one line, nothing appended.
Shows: **1:50**
